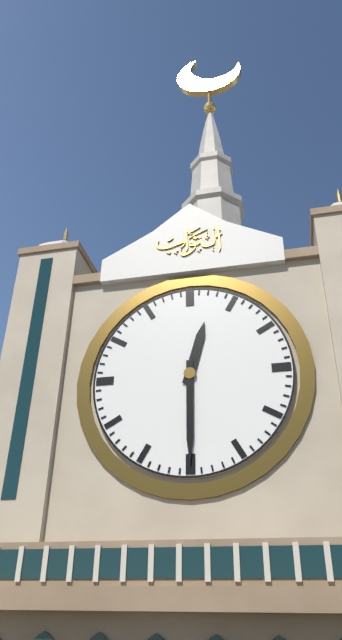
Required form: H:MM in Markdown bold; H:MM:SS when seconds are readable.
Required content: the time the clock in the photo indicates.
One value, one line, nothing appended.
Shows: **12:30**
